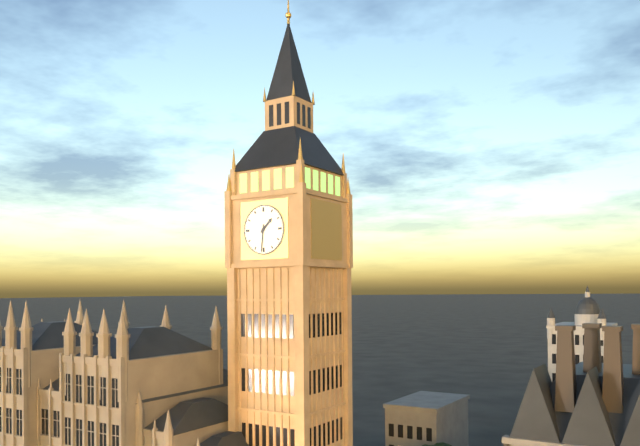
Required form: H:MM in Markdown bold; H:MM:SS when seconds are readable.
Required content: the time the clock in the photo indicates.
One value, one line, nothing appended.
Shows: **1:31**
